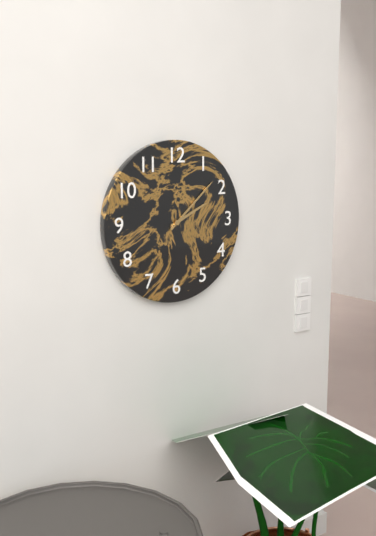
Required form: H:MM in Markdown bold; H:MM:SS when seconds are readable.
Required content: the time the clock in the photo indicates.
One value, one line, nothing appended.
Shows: **2:08**
